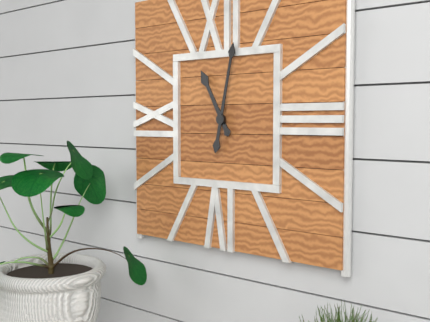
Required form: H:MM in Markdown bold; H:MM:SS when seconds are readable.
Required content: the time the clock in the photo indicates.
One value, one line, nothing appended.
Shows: **11:02**
